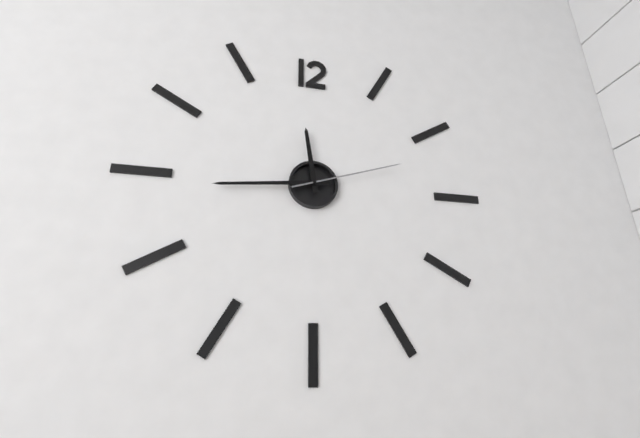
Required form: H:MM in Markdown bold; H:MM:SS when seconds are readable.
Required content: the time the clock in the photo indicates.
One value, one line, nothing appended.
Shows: **11:44:12**
